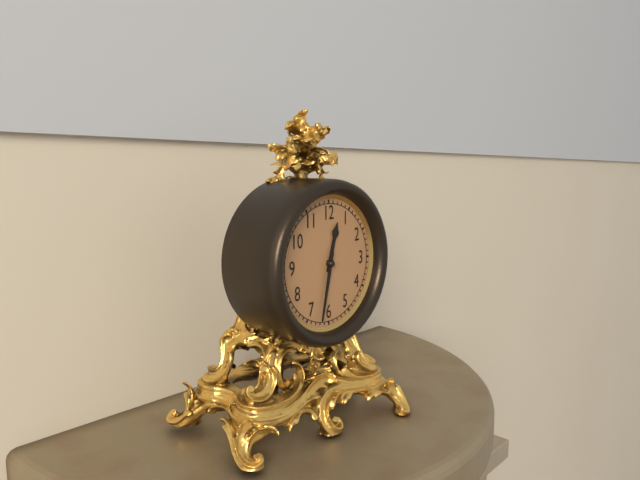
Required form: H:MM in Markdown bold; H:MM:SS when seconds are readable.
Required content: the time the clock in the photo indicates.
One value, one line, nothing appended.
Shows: **12:32**
